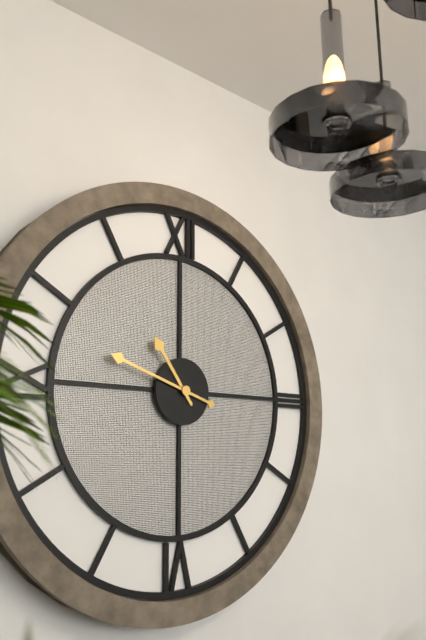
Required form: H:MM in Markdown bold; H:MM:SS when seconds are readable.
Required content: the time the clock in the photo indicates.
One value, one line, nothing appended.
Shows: **10:48**
